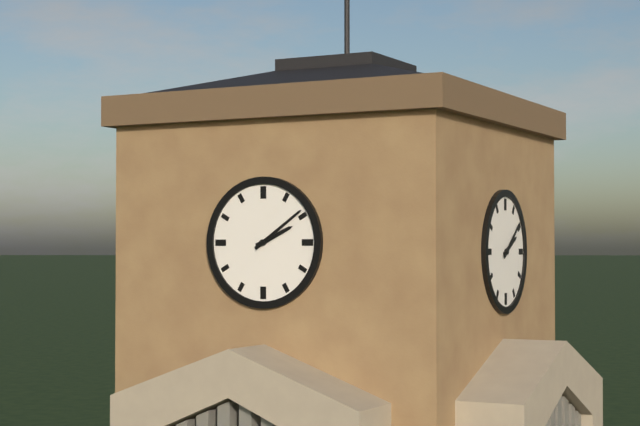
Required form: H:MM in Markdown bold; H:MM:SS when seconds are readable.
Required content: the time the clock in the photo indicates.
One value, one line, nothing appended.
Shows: **2:09**
